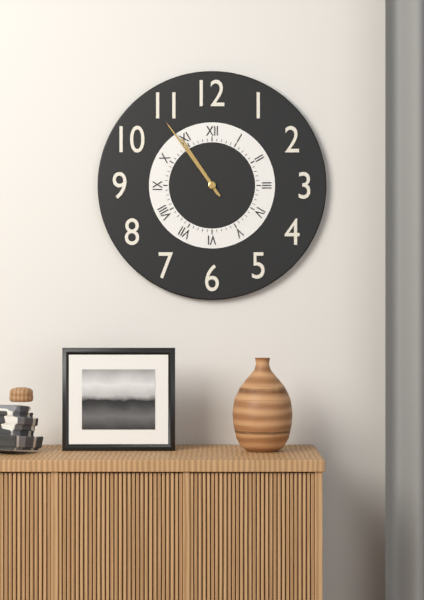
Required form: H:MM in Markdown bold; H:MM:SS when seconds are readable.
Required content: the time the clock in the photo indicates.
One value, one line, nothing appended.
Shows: **10:54**
